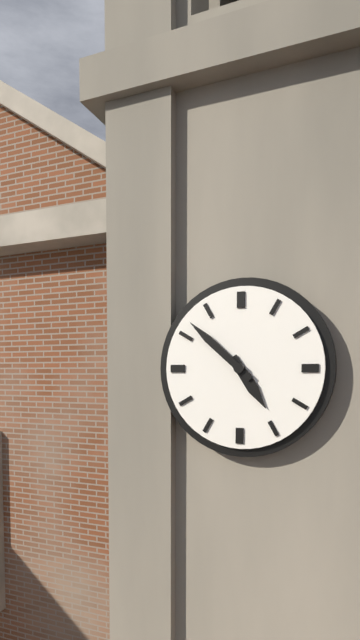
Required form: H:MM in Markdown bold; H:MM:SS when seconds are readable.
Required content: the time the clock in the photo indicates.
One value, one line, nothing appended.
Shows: **4:52**
